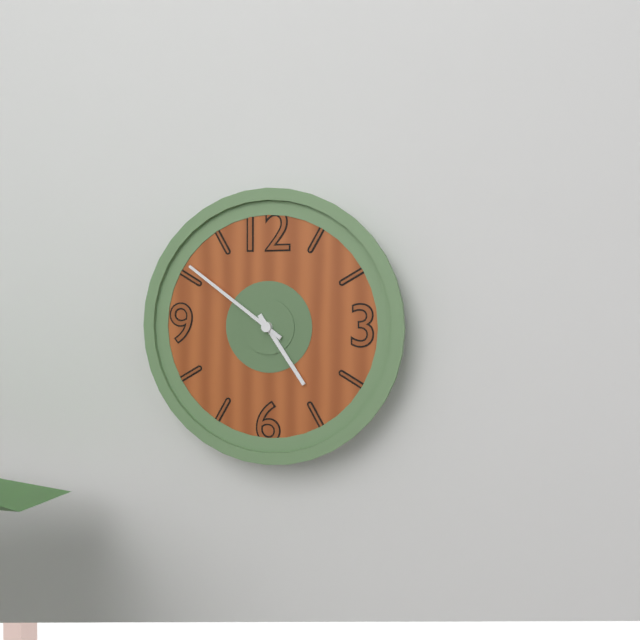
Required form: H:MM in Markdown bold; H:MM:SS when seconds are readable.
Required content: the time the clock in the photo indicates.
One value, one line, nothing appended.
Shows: **4:51**
